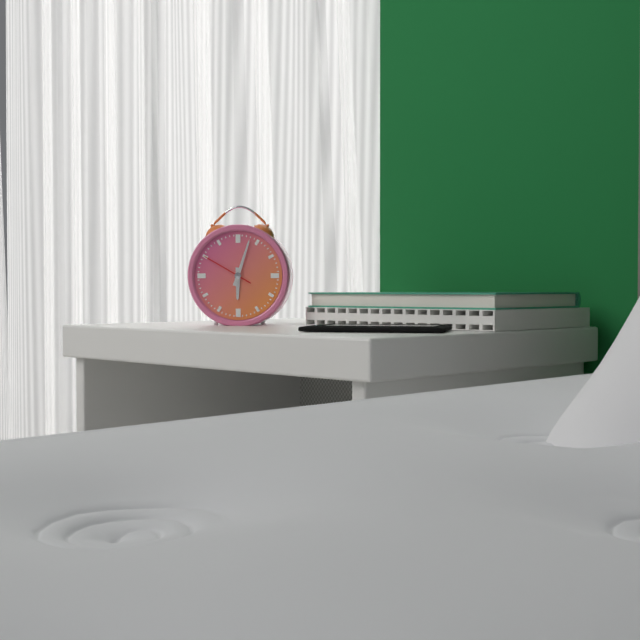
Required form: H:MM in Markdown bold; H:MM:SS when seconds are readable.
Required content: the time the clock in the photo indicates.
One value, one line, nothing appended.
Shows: **6:03:50**
